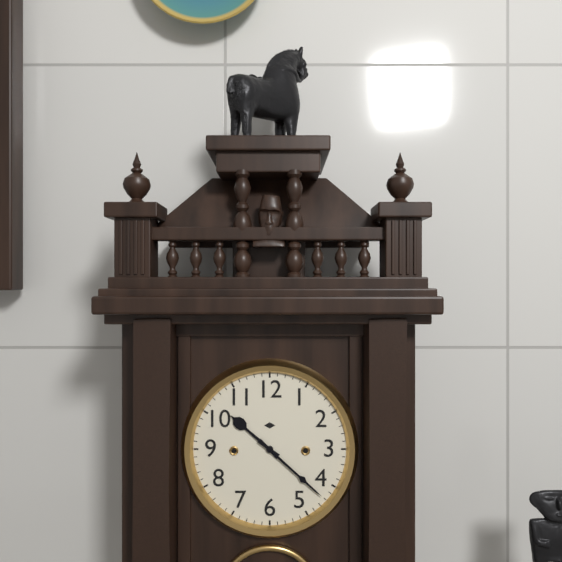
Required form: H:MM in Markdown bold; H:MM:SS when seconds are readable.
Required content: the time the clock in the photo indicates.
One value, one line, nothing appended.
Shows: **10:22**
